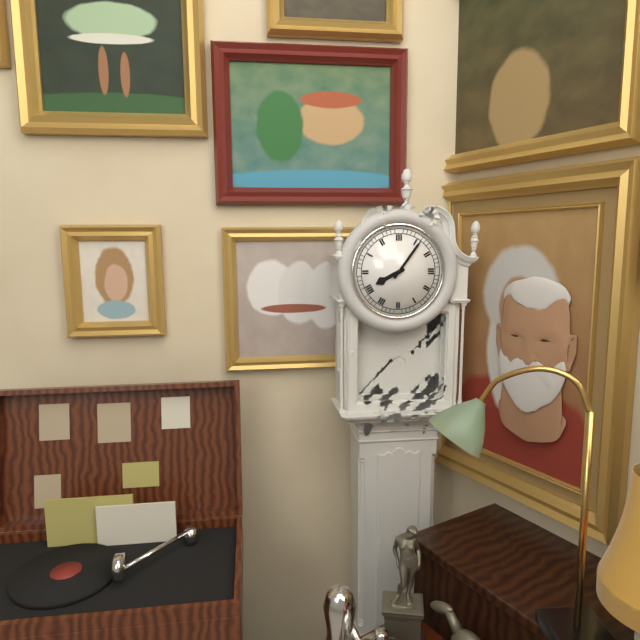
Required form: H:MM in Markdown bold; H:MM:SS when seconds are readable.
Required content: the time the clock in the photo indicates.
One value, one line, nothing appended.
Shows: **8:06**
